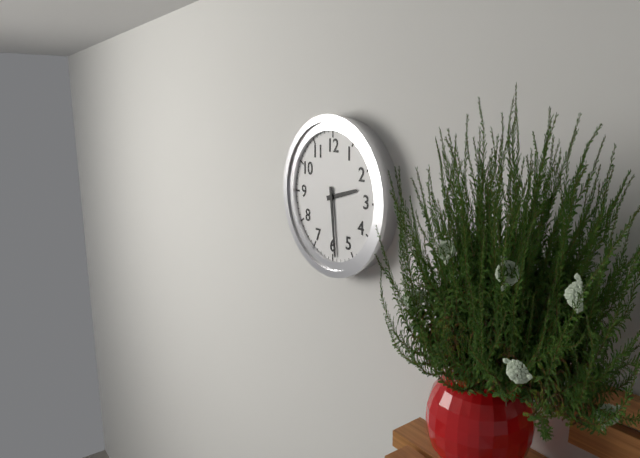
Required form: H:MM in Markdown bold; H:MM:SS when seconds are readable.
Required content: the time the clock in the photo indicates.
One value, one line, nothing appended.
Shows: **2:29**
